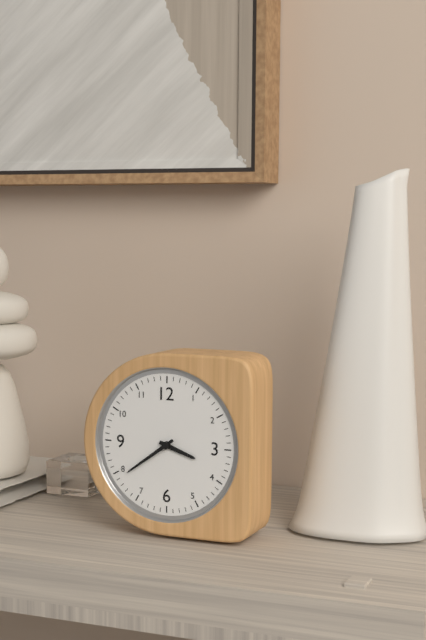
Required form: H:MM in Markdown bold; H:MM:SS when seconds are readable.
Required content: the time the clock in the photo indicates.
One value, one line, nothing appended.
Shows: **3:39**
